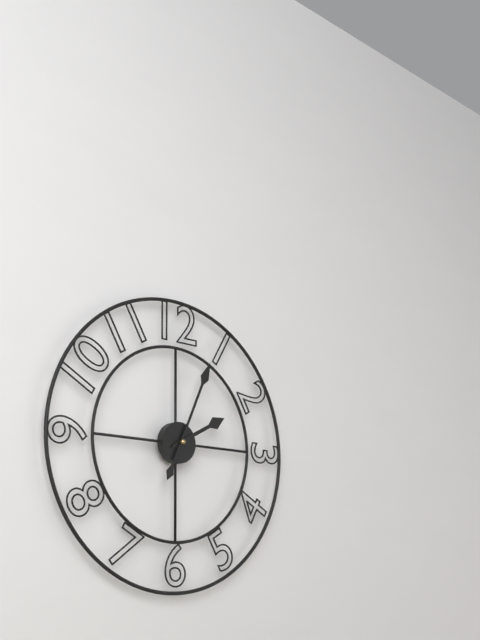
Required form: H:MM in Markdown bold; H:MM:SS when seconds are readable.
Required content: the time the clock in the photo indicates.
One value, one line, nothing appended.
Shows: **2:04**
